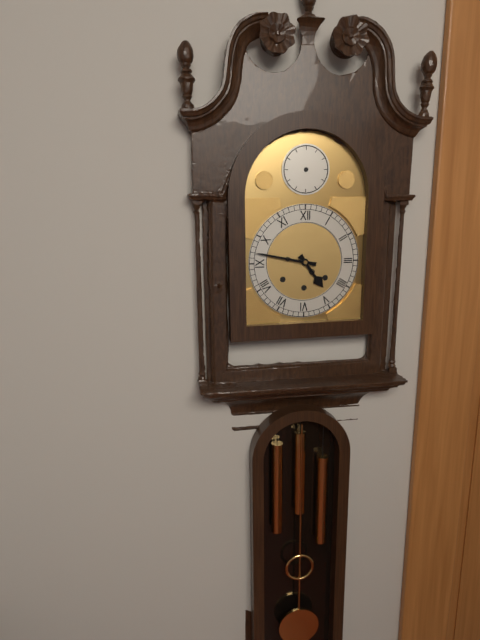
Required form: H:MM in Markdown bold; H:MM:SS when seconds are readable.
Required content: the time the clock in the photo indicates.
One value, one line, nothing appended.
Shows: **4:47**
